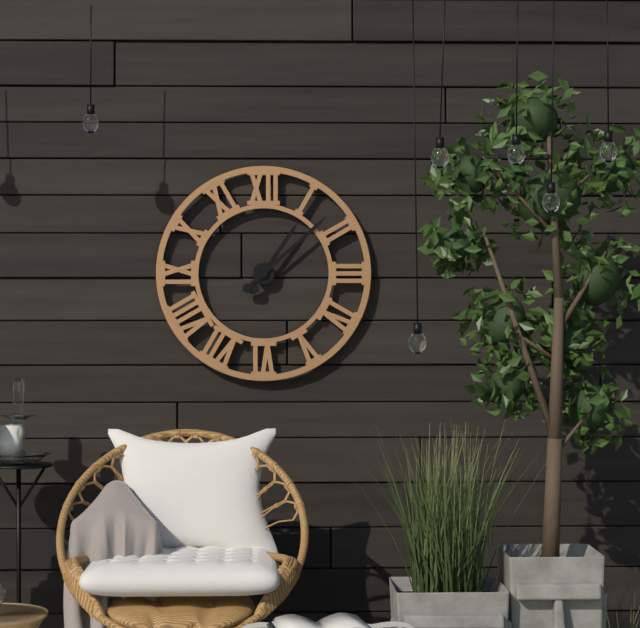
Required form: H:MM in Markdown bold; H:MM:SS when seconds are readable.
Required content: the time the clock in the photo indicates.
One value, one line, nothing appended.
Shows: **1:08**
